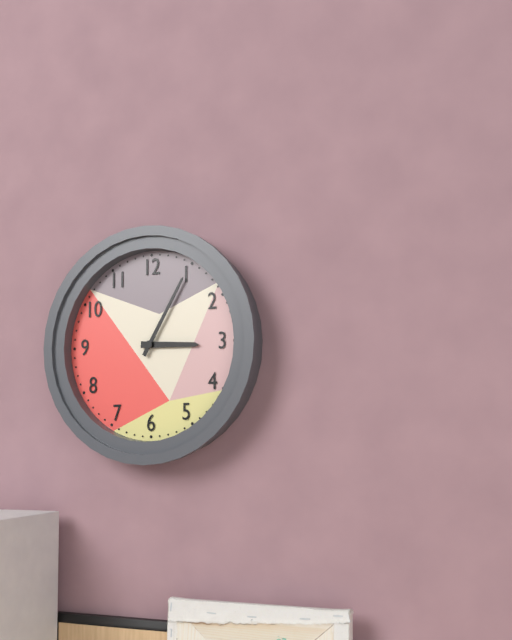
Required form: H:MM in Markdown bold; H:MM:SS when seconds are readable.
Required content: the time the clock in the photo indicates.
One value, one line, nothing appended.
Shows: **3:05**
